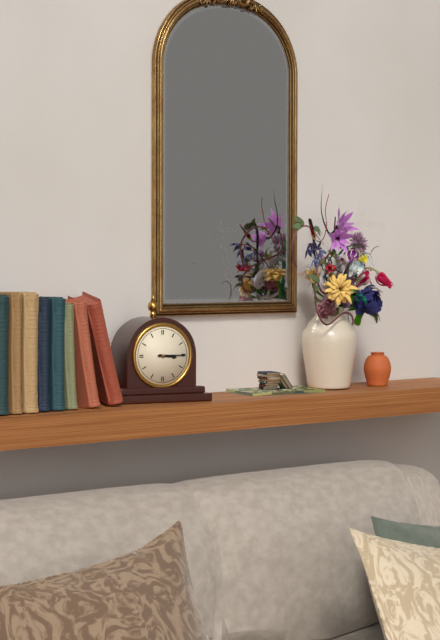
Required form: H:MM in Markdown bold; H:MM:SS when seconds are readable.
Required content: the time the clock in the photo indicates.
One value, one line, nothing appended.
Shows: **3:15**
